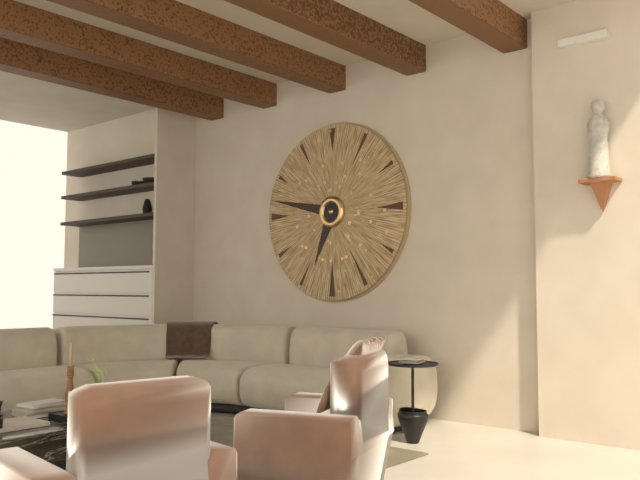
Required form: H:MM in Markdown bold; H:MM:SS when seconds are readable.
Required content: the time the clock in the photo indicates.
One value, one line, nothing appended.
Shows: **6:47**
